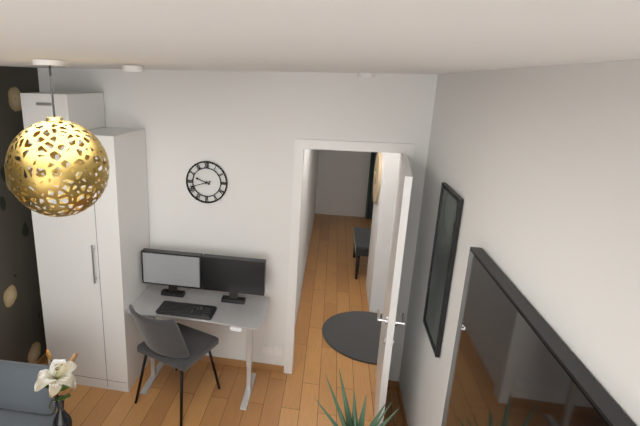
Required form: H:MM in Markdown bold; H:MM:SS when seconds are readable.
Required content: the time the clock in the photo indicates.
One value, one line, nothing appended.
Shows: **9:42**
